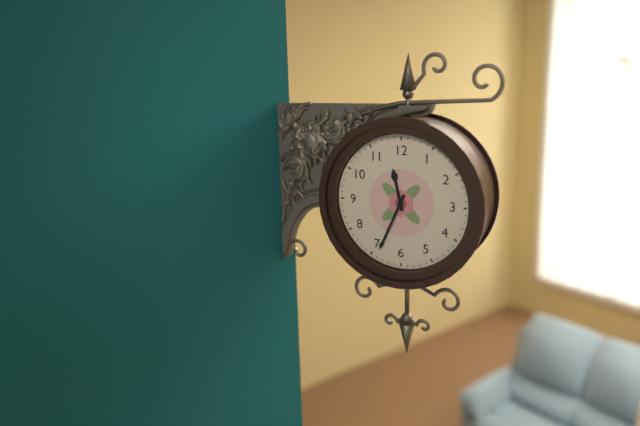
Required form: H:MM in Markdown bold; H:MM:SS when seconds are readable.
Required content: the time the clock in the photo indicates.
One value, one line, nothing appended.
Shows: **11:34**
